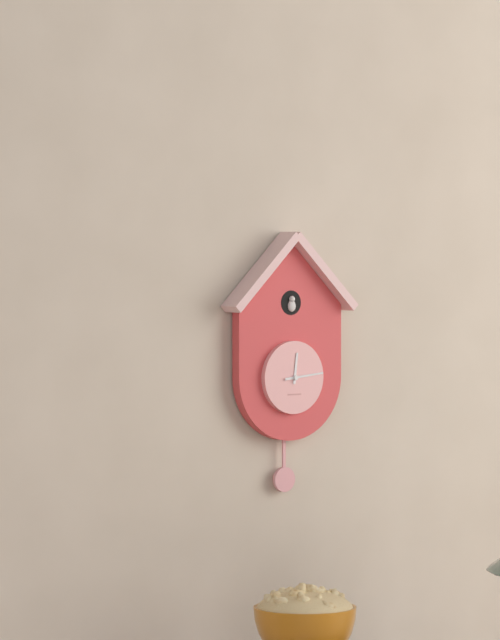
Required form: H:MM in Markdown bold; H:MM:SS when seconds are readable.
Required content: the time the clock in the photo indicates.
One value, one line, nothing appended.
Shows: **12:14**
